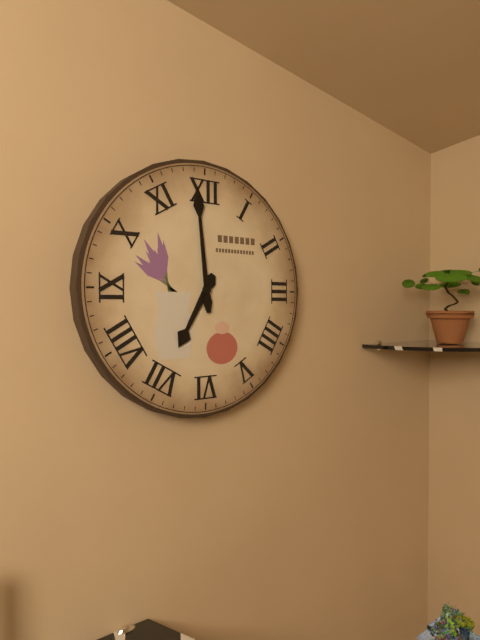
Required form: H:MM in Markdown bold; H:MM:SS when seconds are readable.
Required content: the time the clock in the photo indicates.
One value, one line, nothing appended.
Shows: **6:59**
